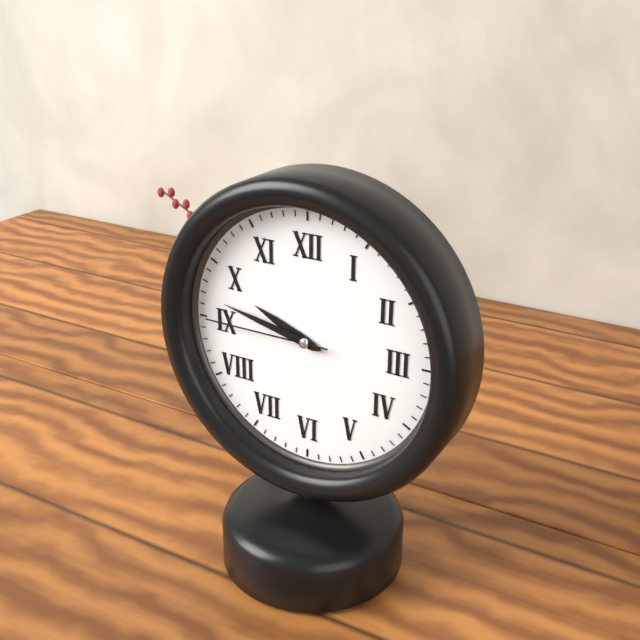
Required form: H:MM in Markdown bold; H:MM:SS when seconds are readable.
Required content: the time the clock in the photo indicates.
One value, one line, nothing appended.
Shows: **9:47:45**
